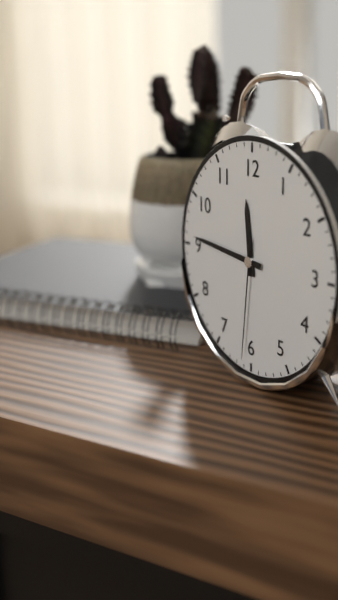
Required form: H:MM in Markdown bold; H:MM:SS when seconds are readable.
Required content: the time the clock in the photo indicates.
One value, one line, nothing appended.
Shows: **11:46:31**
